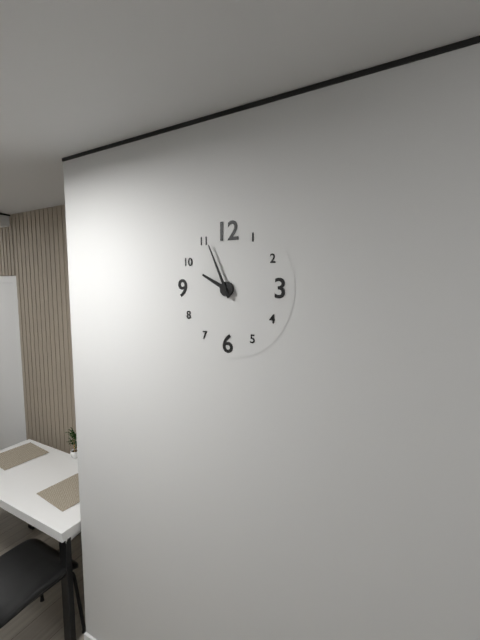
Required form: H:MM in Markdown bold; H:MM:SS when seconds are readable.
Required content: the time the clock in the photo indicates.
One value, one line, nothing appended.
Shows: **9:56**
